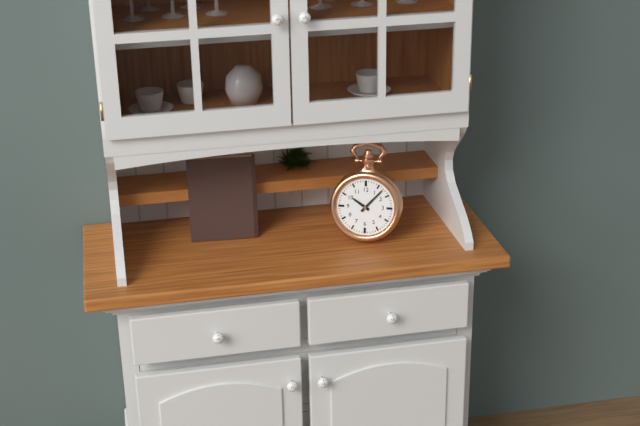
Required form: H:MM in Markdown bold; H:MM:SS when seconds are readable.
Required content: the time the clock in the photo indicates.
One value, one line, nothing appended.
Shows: **10:07**
